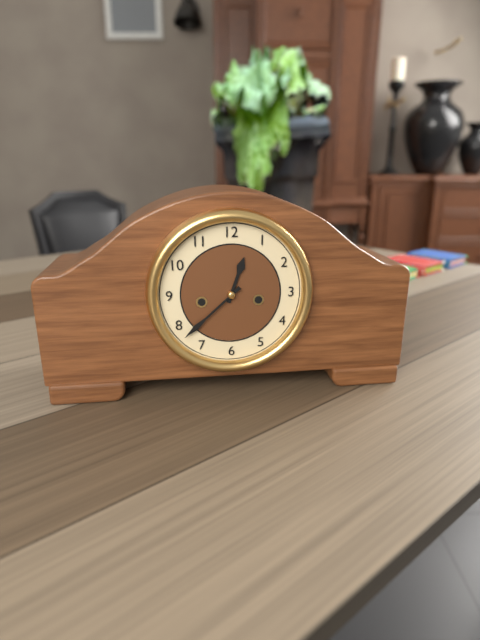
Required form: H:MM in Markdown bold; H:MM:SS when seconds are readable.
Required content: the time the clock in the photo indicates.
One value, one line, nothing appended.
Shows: **12:38**
